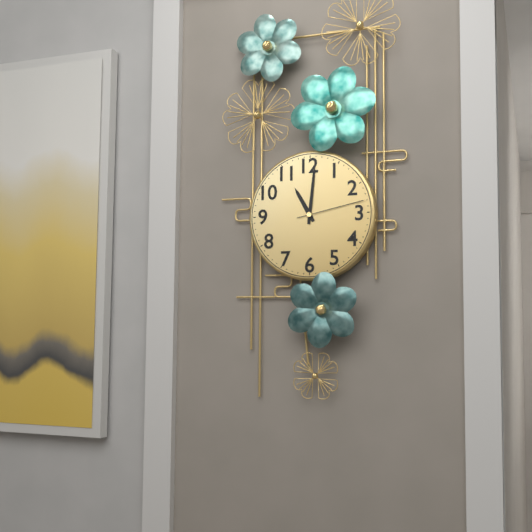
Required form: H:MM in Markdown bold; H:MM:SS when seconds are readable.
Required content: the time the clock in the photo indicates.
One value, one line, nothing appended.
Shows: **11:01:13**
